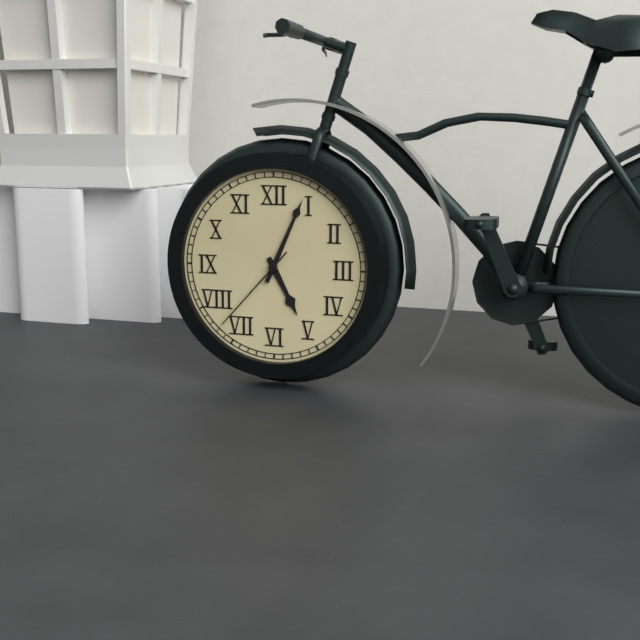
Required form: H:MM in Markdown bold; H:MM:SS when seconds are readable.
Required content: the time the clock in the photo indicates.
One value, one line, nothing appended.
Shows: **5:04:37**
